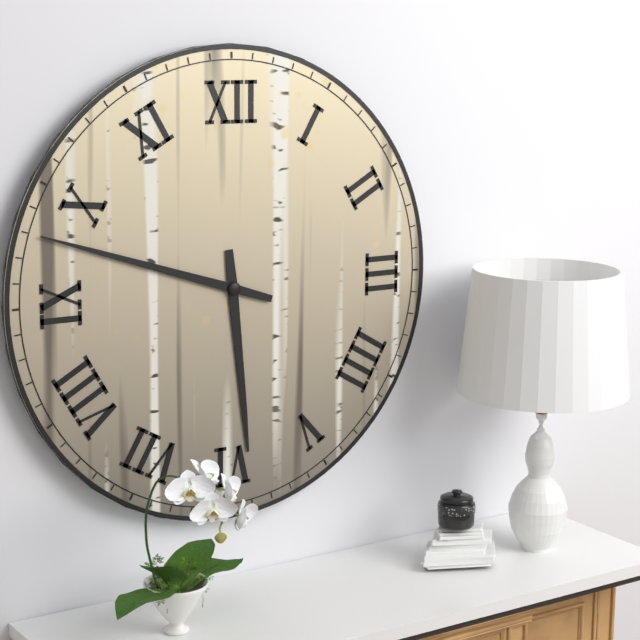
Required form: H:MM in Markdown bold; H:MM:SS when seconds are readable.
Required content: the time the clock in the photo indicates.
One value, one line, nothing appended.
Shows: **5:48**
